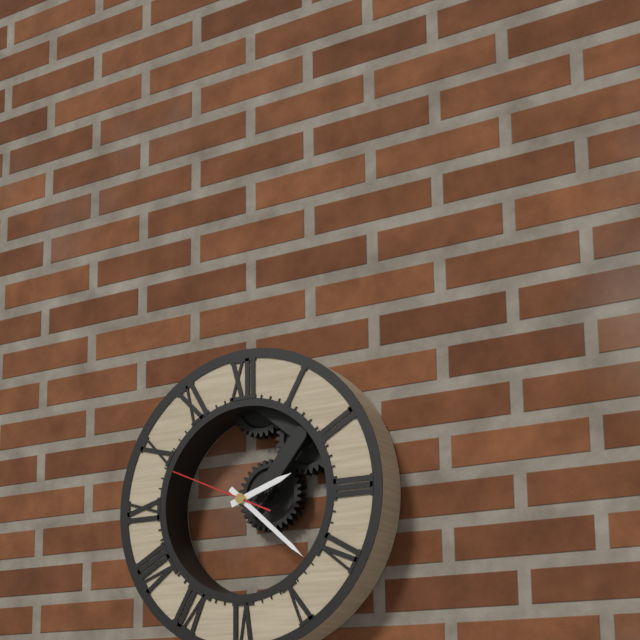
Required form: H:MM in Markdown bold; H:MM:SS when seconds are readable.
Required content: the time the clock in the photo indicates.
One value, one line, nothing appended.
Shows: **2:22:49**
